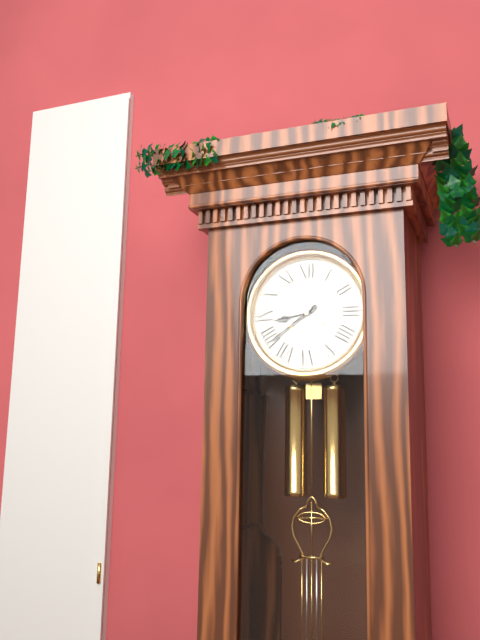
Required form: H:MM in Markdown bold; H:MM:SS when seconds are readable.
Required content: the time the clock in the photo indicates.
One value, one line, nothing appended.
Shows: **8:39**
